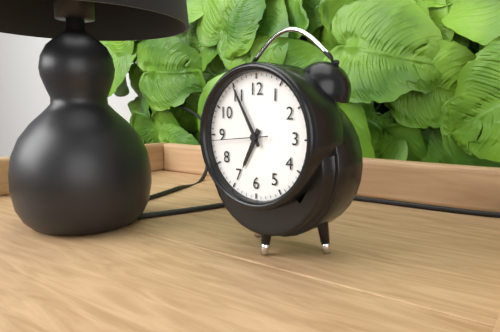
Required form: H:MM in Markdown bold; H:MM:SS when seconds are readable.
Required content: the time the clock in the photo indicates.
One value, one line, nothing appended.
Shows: **6:55:44**
